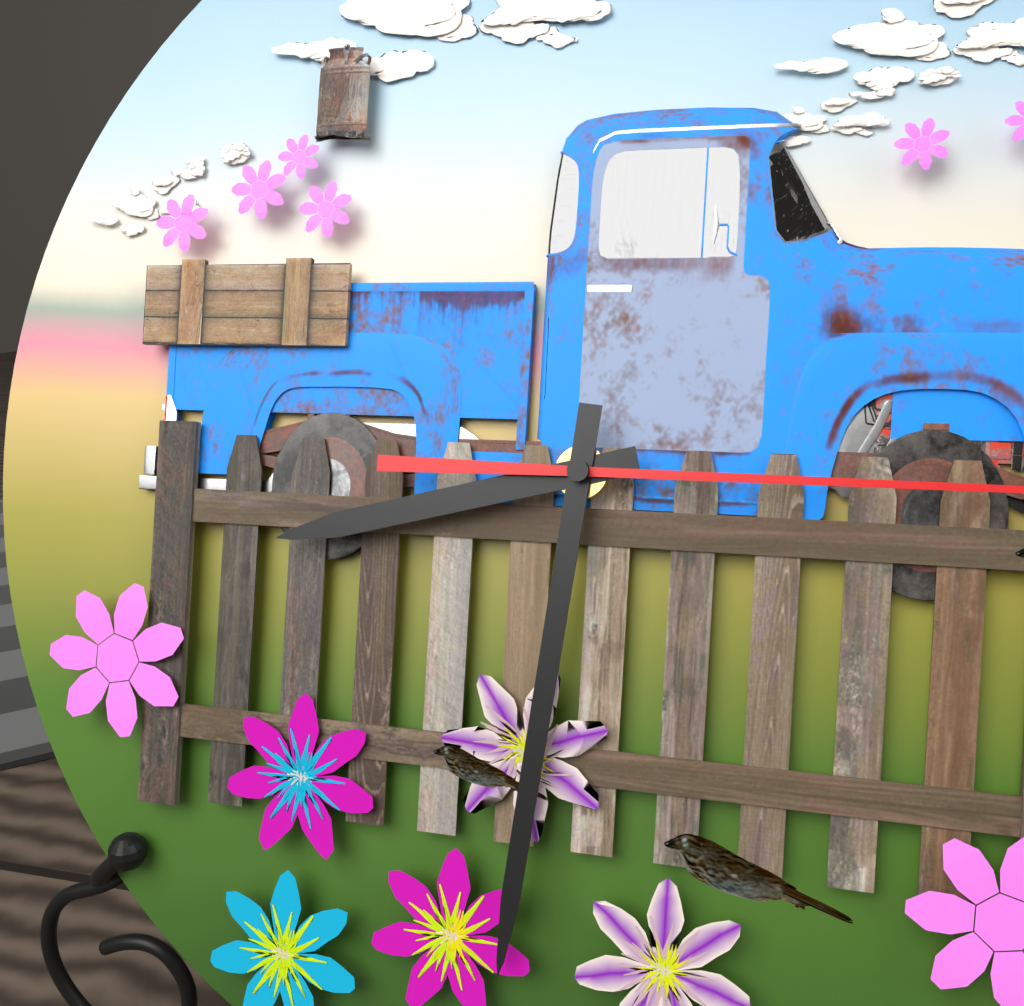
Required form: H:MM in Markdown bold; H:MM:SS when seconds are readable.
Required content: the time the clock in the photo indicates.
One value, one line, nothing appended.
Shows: **8:31**
